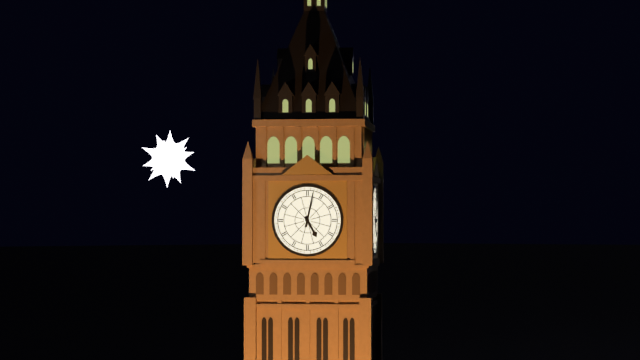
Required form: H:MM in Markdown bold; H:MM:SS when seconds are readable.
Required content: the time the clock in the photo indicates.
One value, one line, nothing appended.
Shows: **5:02**
